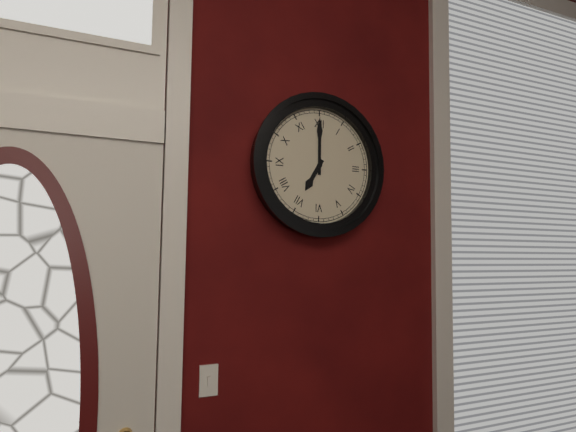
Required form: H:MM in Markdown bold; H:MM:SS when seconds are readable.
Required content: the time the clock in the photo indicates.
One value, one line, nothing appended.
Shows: **7:00**
